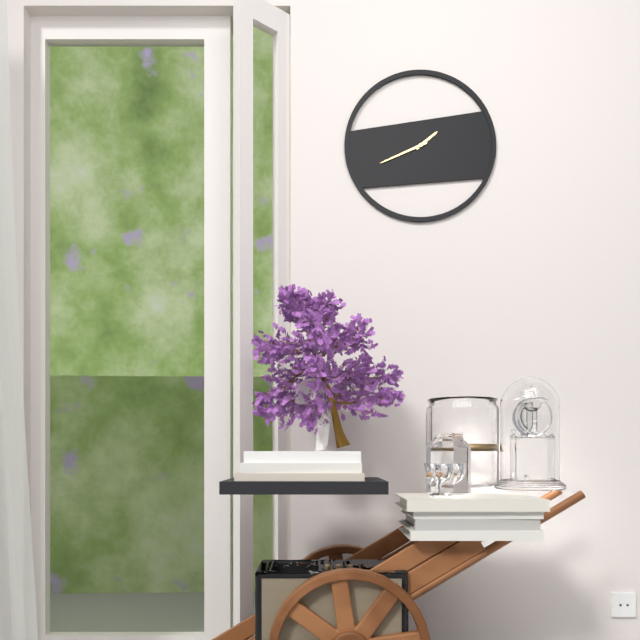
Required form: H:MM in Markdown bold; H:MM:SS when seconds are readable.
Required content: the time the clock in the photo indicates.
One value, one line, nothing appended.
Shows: **1:41**
